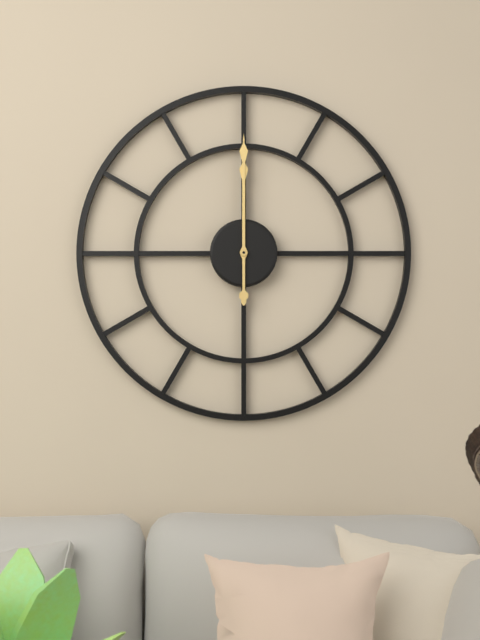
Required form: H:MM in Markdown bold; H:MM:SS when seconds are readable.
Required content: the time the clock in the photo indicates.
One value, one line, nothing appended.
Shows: **12:00**
